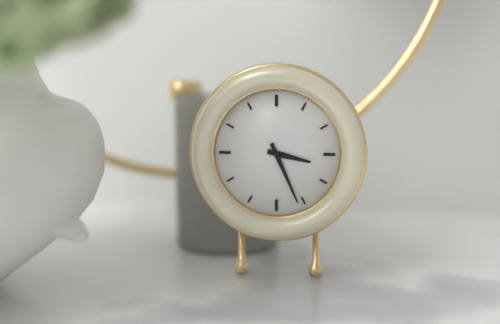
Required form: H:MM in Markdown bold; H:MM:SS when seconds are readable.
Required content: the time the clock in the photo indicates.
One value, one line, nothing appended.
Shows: **3:26**
